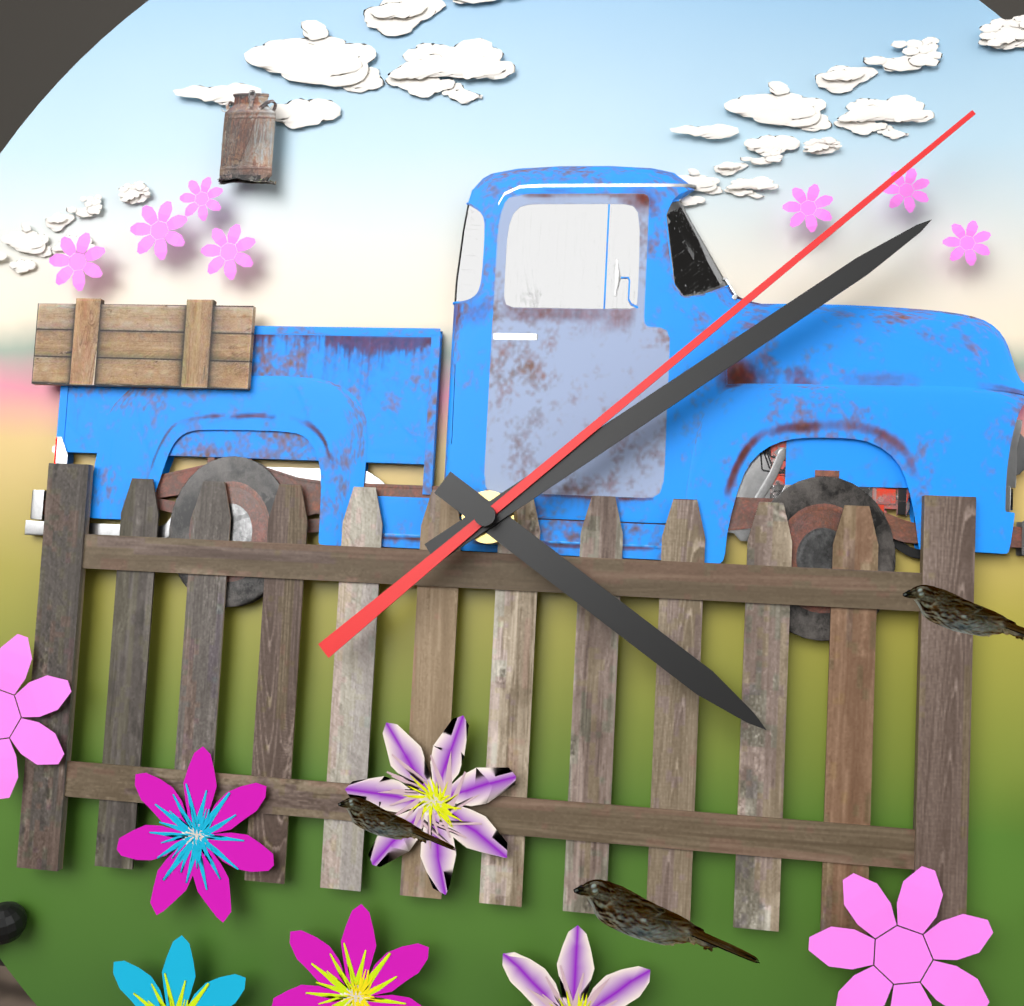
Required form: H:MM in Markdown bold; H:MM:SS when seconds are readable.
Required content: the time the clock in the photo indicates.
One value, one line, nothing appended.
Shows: **4:09:08**
